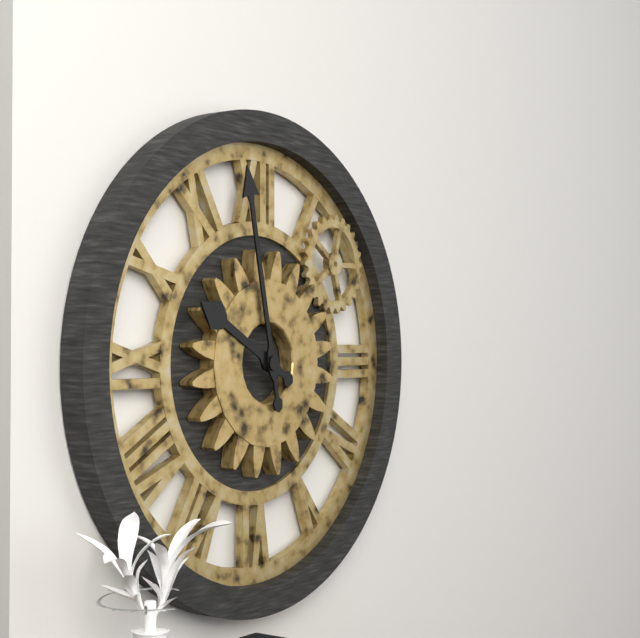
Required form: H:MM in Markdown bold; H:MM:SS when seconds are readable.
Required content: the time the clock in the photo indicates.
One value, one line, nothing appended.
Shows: **9:58**
